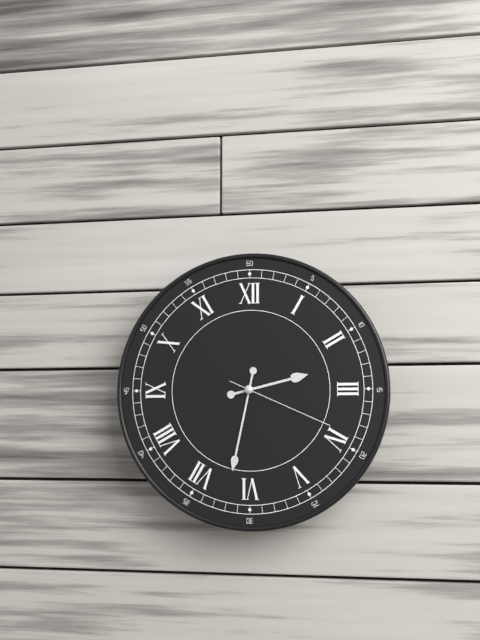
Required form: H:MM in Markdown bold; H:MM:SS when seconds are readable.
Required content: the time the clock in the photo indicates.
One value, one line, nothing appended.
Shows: **2:32:19**
